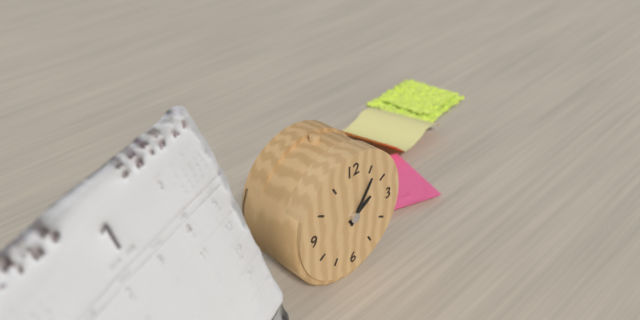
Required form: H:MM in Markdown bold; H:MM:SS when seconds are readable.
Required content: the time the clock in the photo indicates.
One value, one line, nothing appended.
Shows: **2:06**
